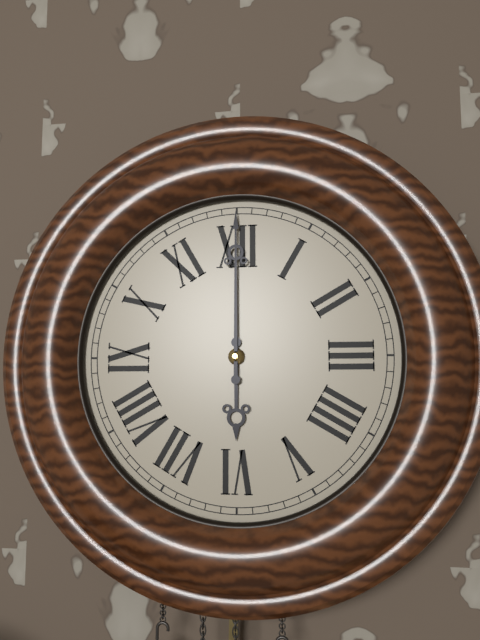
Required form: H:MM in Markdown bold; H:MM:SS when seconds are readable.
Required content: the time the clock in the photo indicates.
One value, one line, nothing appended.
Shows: **6:00**
